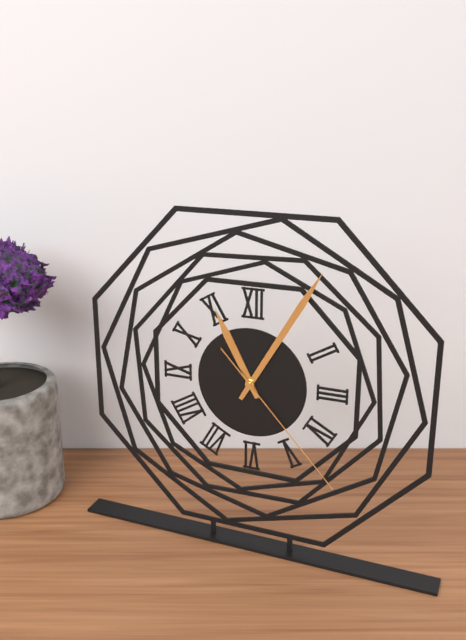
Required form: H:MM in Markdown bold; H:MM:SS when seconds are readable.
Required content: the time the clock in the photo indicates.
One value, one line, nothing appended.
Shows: **11:05:23**
